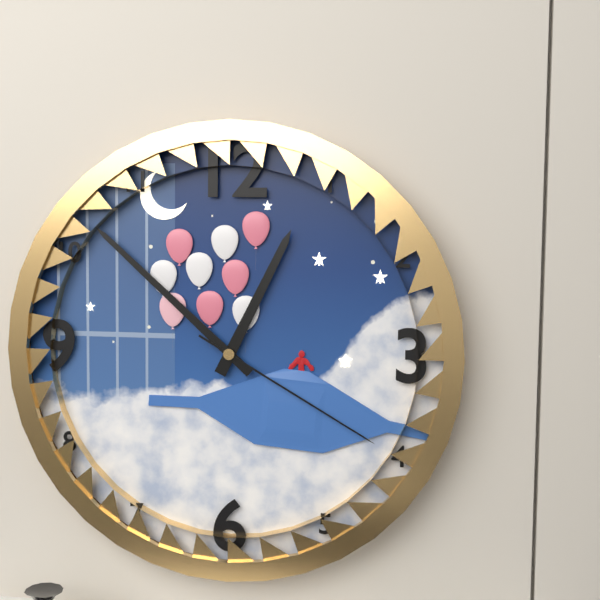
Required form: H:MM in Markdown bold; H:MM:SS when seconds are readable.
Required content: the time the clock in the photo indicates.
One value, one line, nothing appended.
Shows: **12:52:20**
